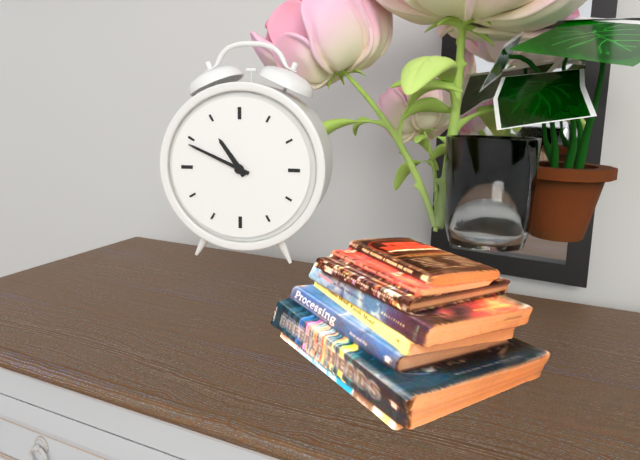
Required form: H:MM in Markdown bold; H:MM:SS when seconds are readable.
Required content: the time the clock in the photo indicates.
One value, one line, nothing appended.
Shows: **10:49**
